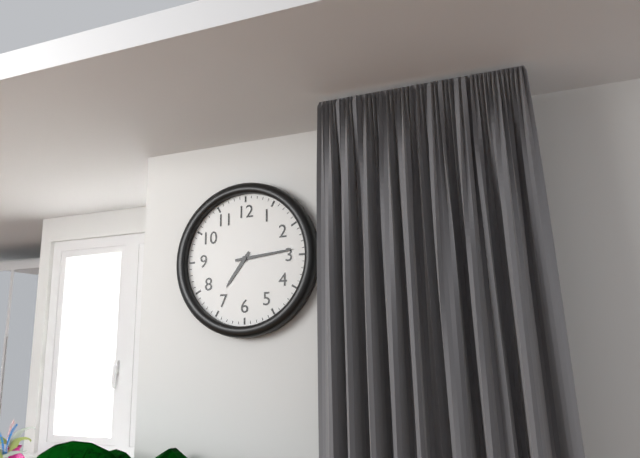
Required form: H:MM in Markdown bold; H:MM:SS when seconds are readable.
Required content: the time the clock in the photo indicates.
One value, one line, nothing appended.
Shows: **7:14**
